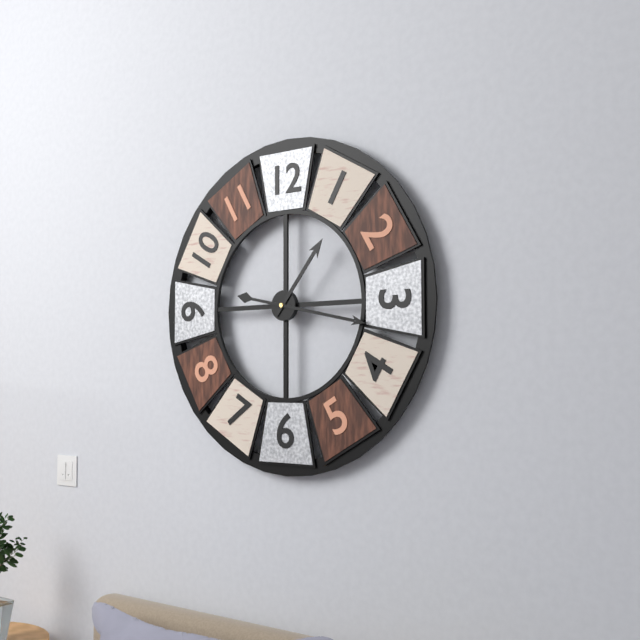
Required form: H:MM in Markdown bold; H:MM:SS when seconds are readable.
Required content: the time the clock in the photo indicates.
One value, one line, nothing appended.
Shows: **1:17**
